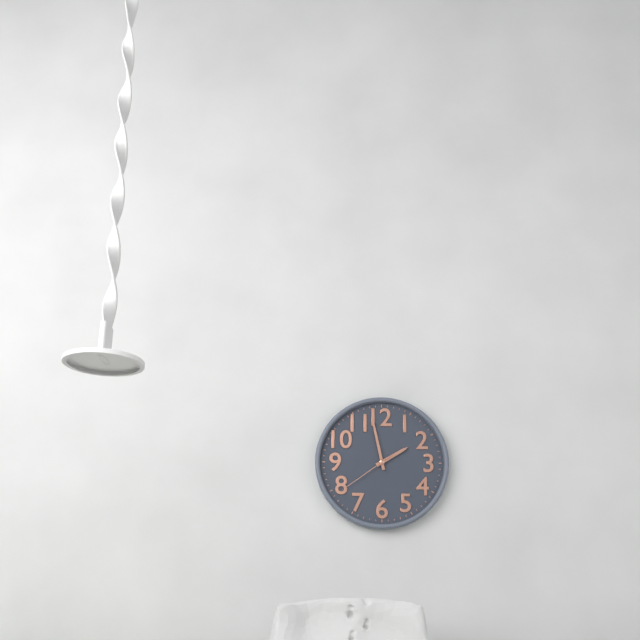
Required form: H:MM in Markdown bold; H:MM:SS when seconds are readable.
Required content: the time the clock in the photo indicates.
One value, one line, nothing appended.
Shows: **1:58:39**
